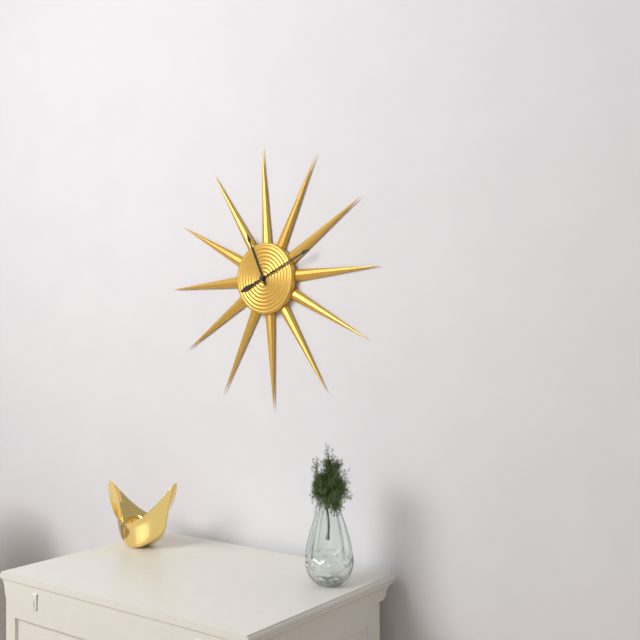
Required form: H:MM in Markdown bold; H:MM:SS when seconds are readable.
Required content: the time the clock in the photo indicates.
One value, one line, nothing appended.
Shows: **11:11**
